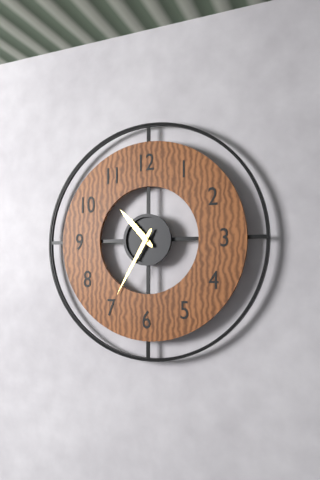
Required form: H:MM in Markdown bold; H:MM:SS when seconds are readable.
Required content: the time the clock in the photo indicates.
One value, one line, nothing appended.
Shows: **10:35**
